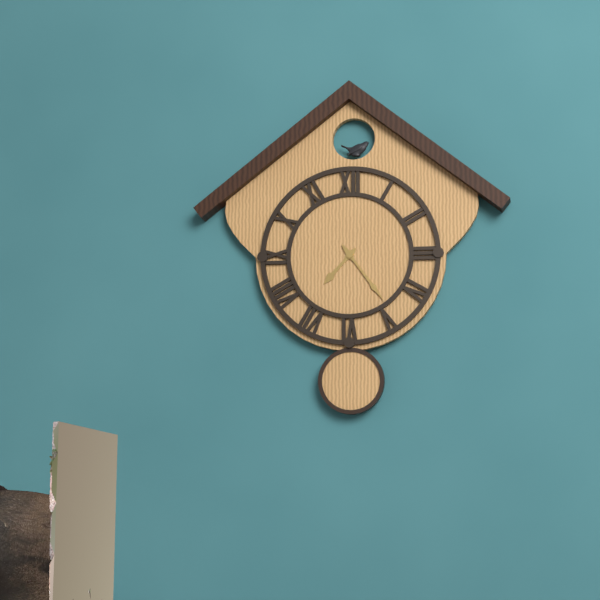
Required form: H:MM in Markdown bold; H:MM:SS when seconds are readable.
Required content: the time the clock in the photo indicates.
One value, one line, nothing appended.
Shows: **7:24**
